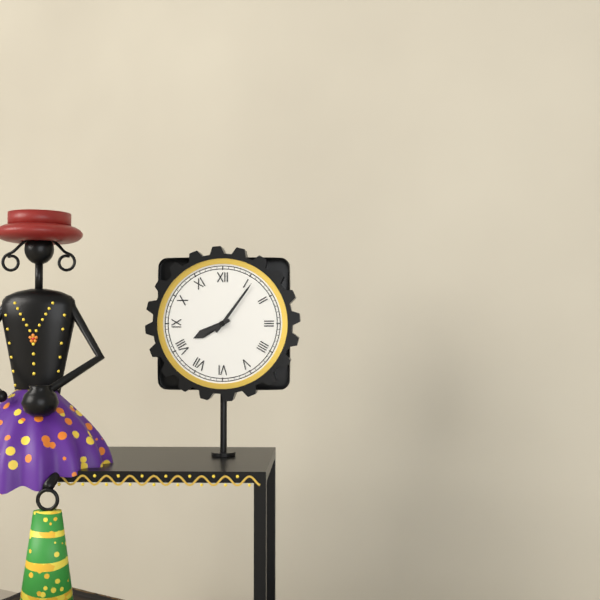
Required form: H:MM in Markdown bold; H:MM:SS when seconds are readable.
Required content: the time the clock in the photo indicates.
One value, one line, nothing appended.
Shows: **8:06**
